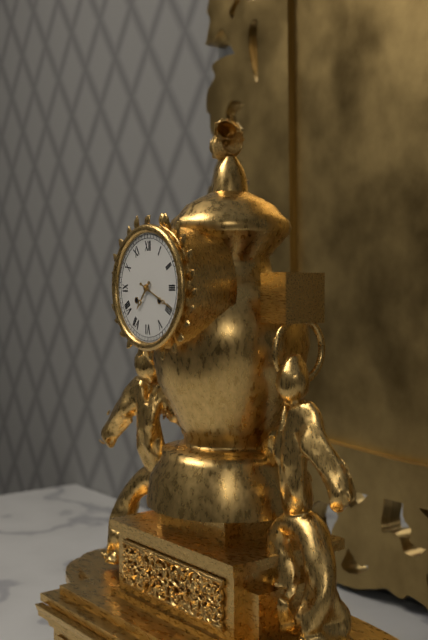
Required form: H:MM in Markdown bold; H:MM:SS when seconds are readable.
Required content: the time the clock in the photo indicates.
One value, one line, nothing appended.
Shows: **7:19**
